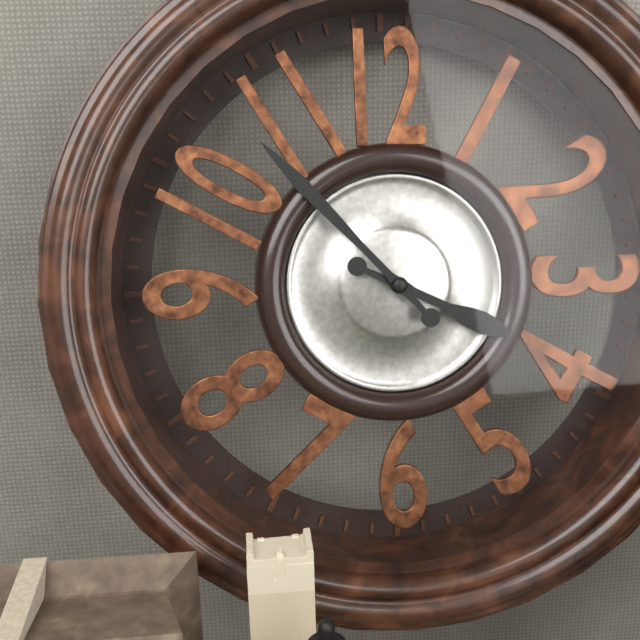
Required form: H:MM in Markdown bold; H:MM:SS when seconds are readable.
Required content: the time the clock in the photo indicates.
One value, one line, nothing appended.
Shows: **3:53**
